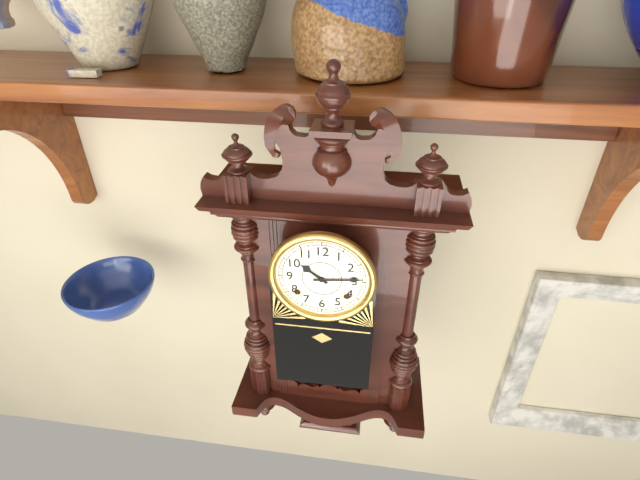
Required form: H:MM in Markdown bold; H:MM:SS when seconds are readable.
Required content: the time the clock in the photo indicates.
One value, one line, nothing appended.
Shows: **10:14**
